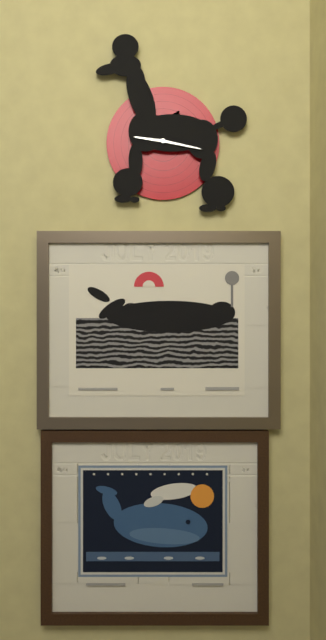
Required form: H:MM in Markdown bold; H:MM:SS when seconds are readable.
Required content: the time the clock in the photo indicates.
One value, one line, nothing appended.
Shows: **9:17**
